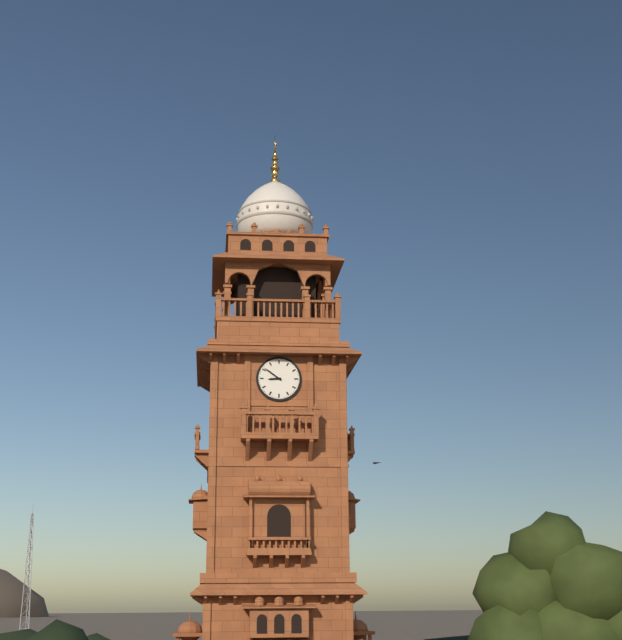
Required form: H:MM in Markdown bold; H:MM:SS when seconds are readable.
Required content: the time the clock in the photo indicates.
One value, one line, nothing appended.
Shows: **8:51**
